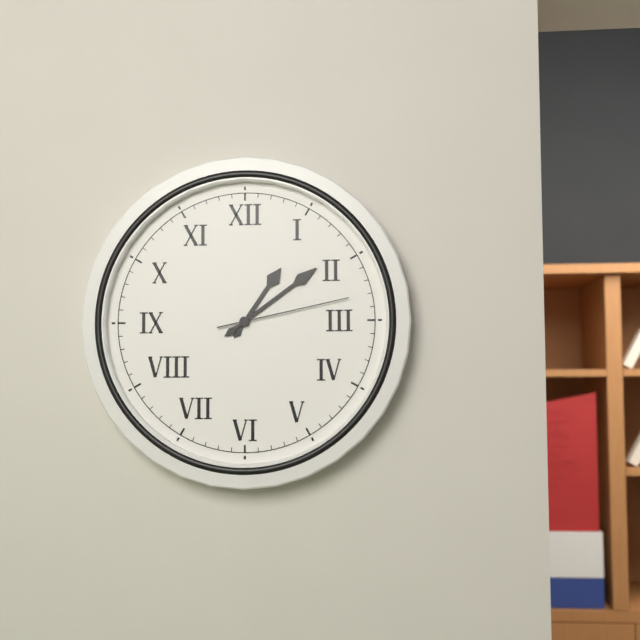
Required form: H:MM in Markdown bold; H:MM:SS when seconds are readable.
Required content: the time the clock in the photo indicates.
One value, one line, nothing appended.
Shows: **1:09:13**
